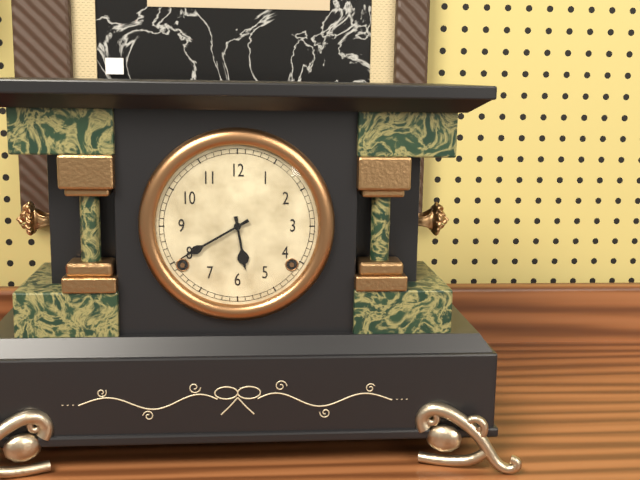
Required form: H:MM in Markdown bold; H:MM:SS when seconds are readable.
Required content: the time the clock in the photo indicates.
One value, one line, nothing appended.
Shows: **5:40**
